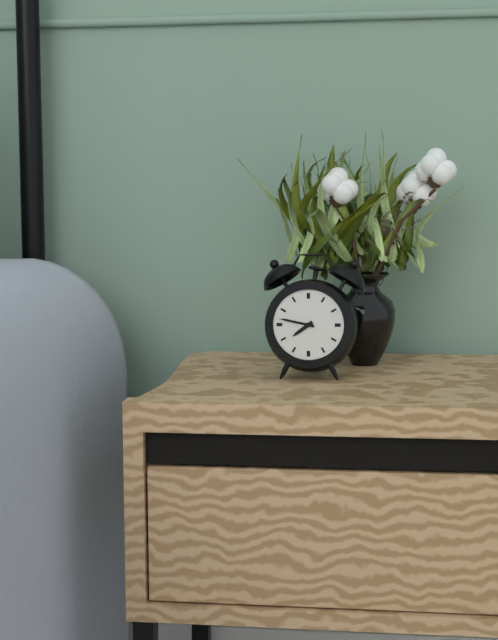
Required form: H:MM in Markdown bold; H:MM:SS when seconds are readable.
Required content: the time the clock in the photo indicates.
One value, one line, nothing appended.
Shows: **7:47**
